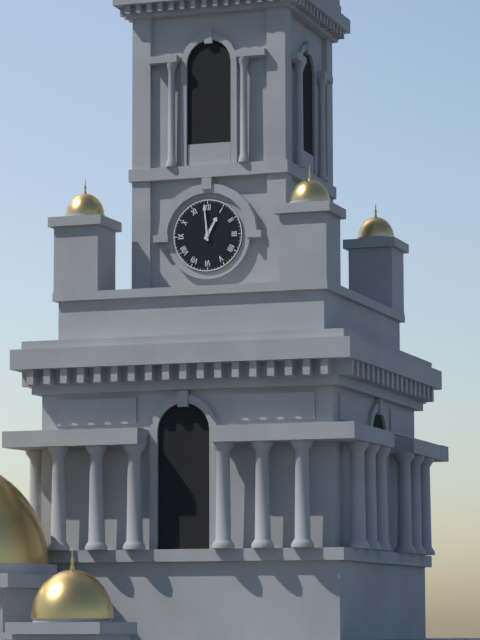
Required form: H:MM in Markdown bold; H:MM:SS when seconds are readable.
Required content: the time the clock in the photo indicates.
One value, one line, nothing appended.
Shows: **12:59**
